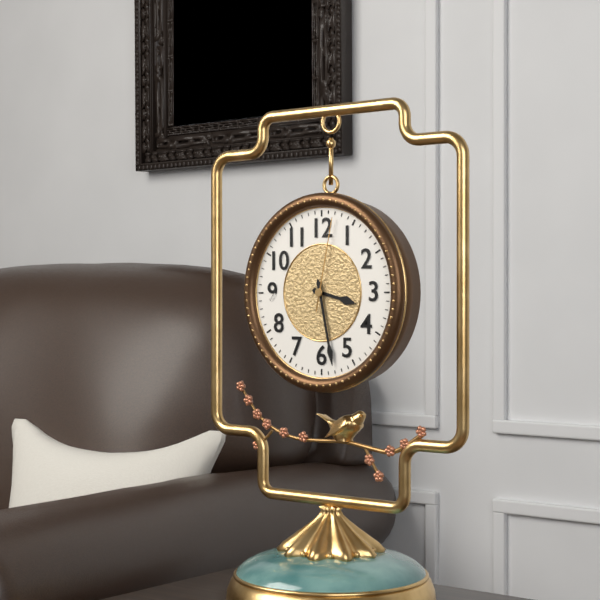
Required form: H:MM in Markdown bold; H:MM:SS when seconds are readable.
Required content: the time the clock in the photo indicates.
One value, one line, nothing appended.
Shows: **3:28:02**
